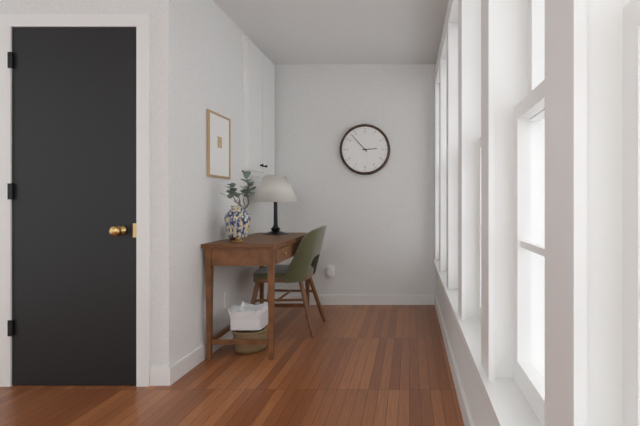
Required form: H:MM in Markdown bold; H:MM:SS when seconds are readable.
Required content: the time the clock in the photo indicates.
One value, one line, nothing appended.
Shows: **2:53**
